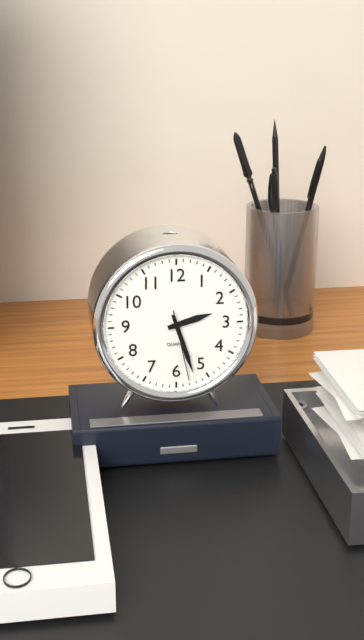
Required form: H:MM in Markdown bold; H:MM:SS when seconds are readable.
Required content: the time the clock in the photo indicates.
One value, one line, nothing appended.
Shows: **2:27:28**
